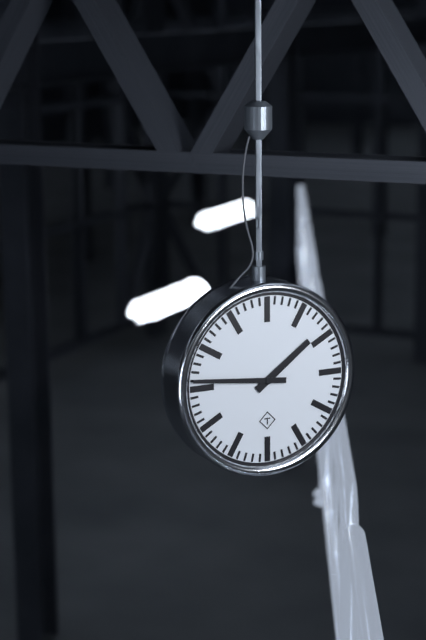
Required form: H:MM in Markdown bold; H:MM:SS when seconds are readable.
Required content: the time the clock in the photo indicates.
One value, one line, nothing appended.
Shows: **1:46**
